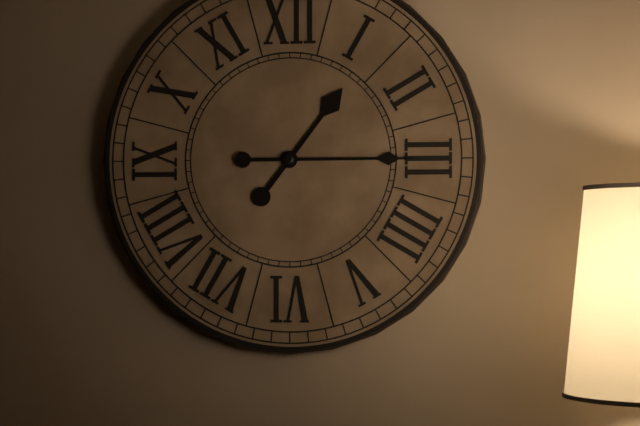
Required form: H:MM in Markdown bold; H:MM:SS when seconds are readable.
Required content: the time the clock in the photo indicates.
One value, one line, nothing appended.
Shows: **1:15**
